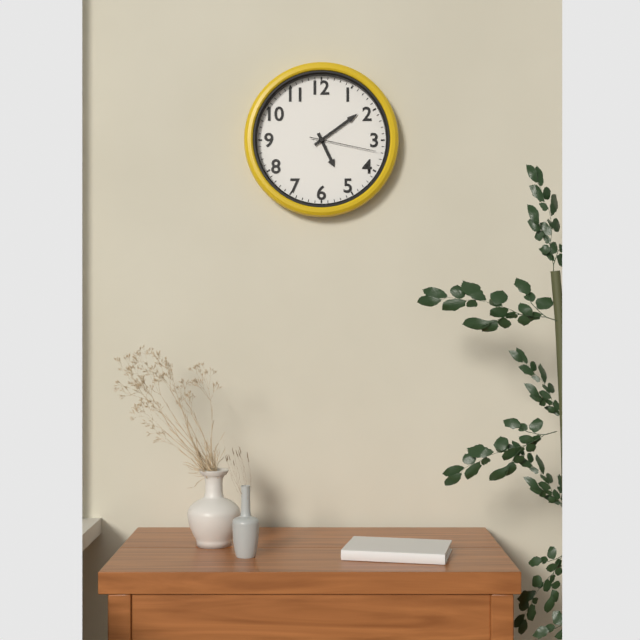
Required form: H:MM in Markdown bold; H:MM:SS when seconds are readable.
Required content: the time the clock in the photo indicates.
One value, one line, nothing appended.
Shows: **5:09:17**
